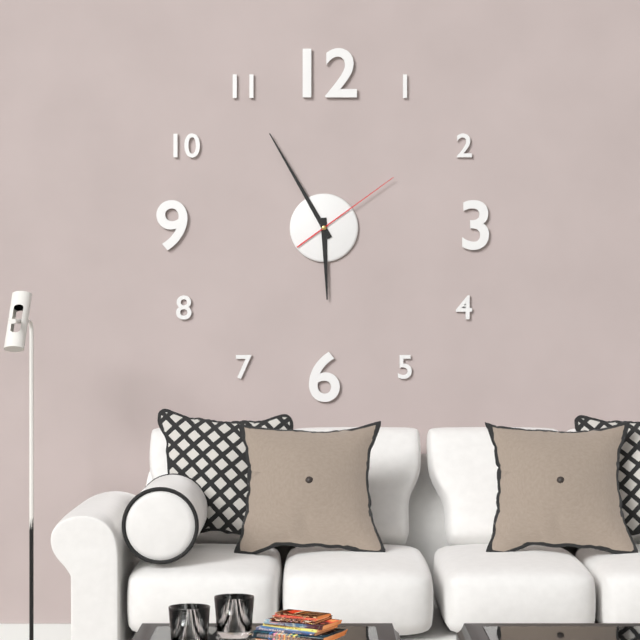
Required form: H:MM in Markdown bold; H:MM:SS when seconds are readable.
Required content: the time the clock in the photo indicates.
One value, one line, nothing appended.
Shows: **5:55:09**
